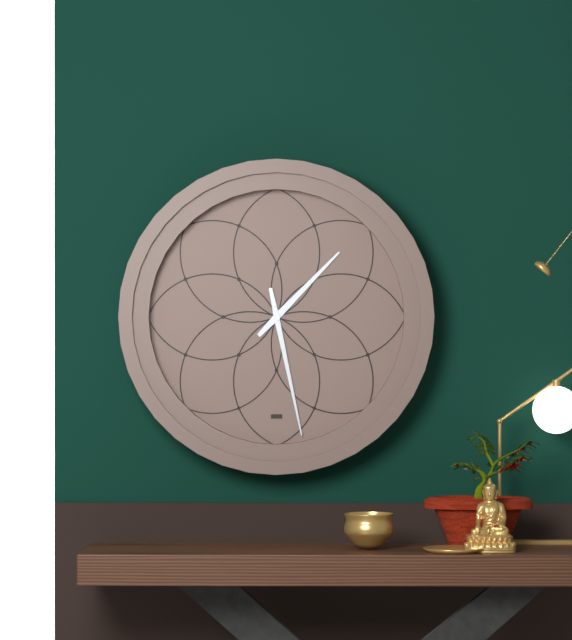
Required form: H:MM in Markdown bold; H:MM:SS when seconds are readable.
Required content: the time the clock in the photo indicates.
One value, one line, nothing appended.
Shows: **1:28**
